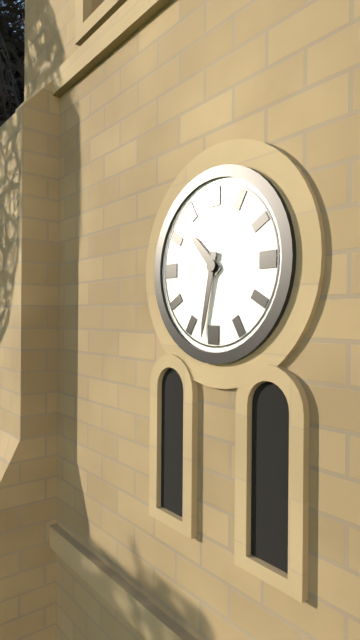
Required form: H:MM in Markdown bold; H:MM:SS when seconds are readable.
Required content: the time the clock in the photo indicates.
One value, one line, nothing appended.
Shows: **10:32**
